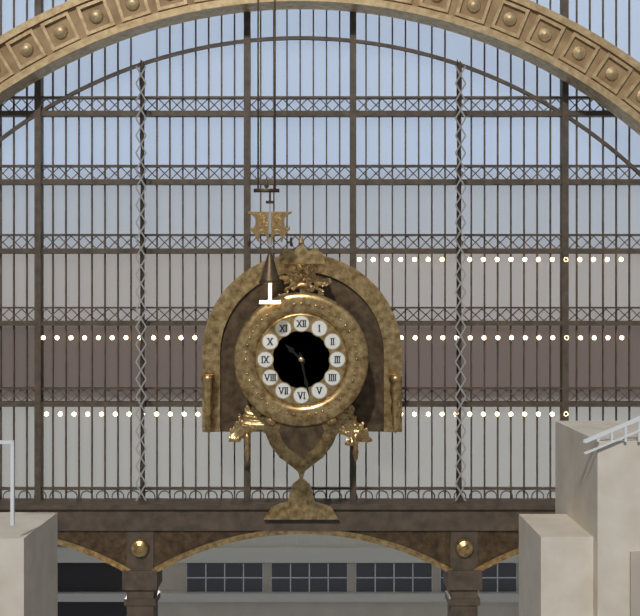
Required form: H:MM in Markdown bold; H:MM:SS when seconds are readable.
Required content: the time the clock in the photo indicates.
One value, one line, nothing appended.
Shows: **10:28**
